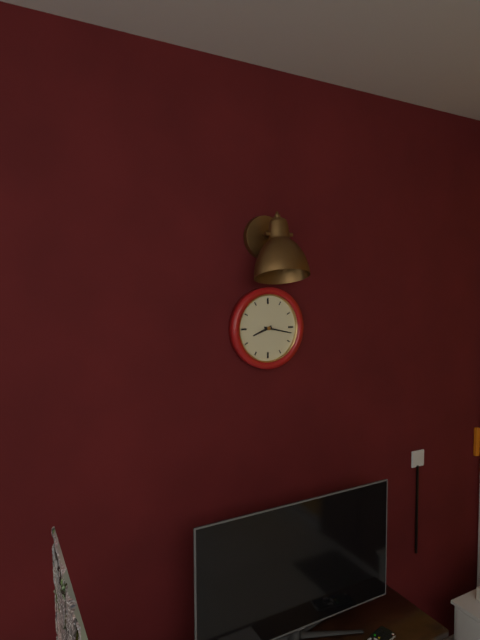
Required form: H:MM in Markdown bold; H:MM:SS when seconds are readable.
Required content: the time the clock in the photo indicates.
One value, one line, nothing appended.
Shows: **8:17**
